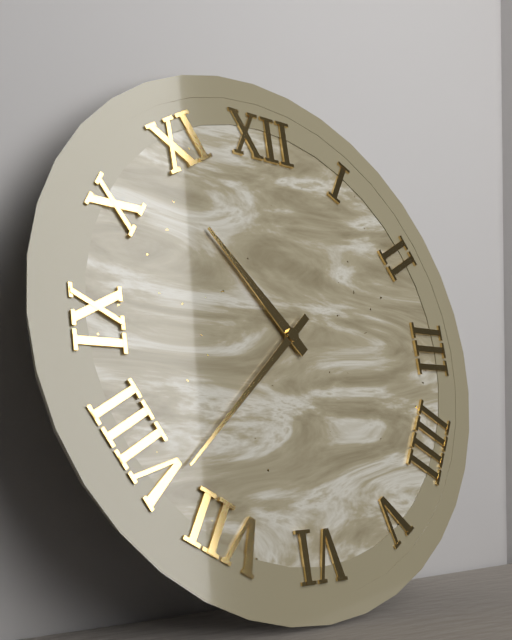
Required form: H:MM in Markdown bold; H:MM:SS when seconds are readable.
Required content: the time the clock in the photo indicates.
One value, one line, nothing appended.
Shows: **10:38**
